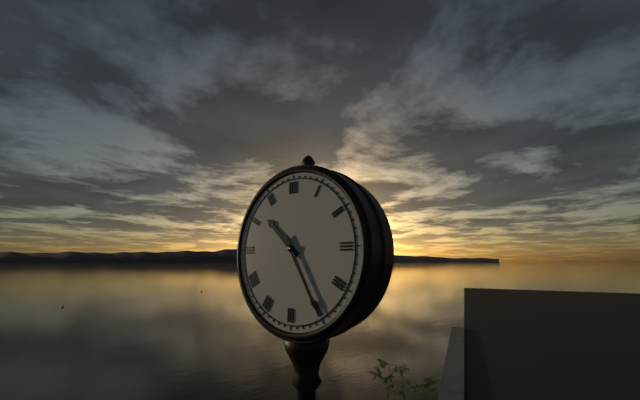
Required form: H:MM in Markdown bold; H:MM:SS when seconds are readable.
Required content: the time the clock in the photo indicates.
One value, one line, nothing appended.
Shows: **10:25**
